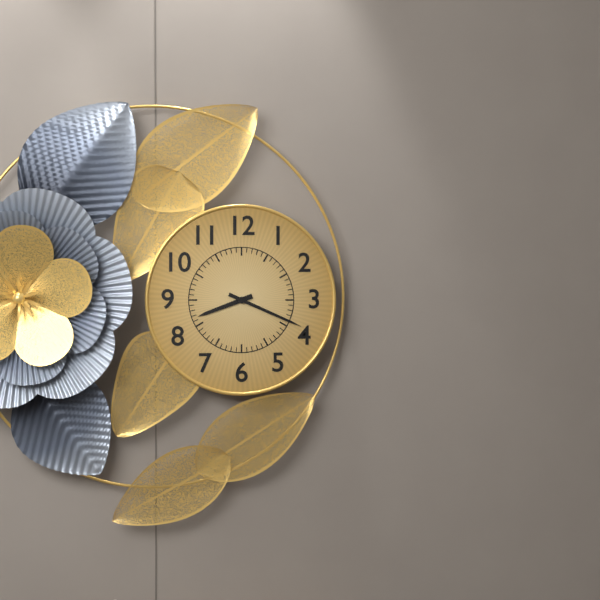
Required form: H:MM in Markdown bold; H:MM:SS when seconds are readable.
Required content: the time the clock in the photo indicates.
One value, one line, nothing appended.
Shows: **8:19**
